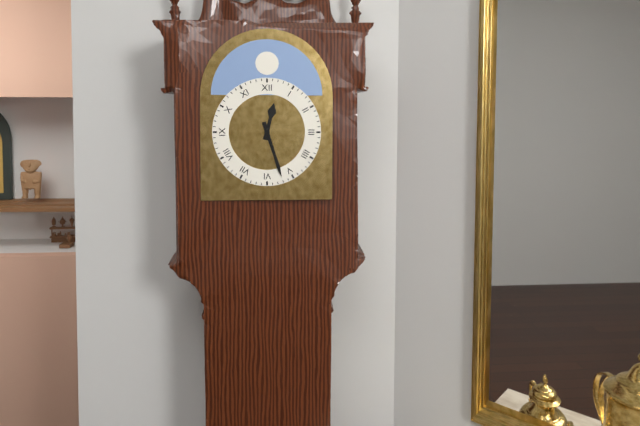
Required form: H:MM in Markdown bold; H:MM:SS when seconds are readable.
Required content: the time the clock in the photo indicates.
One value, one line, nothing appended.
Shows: **12:27**
